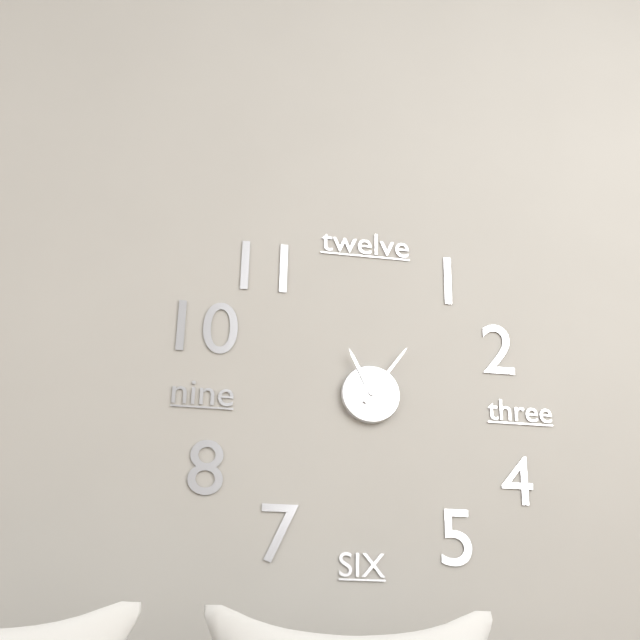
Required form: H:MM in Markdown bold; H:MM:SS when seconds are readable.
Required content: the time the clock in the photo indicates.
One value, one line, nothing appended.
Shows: **11:06**
